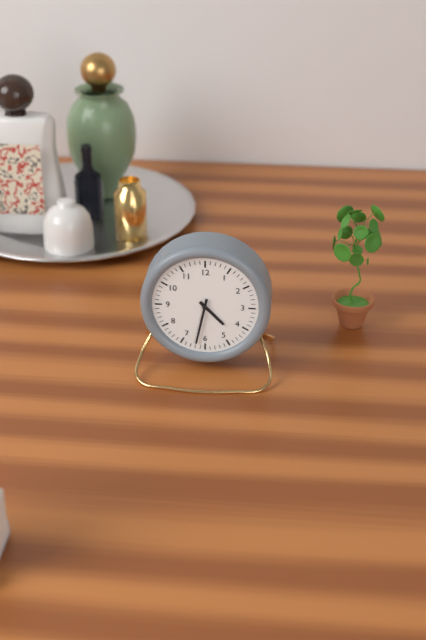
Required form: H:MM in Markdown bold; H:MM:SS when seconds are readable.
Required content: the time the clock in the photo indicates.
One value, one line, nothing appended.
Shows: **4:32**
